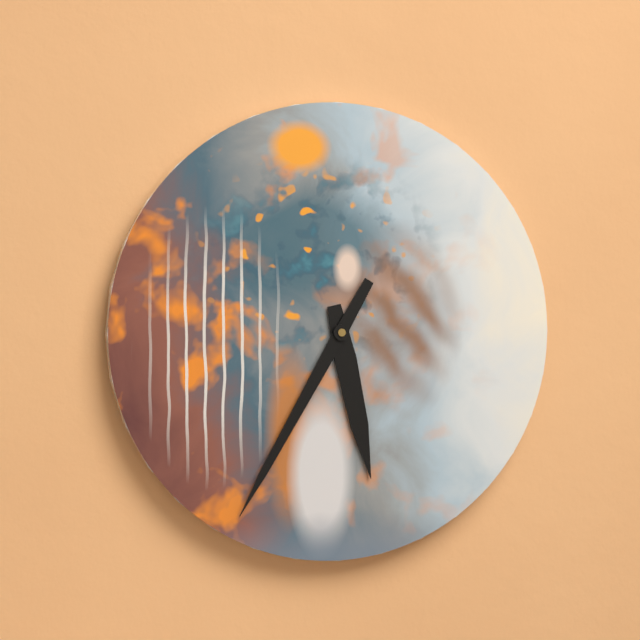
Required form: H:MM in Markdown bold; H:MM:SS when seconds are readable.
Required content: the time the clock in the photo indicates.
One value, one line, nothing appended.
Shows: **5:35**
